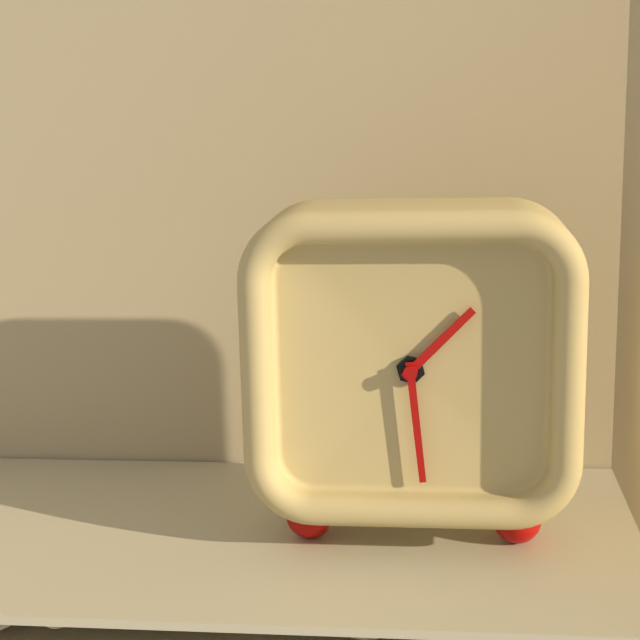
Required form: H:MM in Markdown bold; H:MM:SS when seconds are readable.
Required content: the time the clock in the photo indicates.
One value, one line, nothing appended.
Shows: **1:29**
